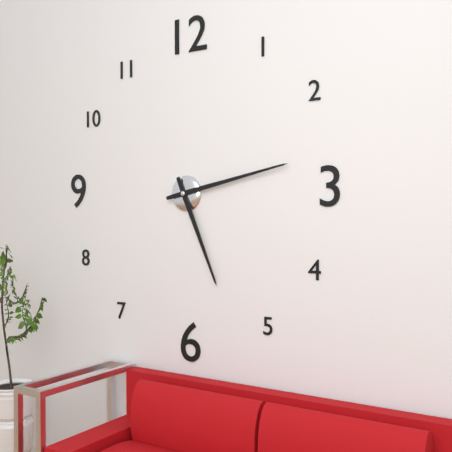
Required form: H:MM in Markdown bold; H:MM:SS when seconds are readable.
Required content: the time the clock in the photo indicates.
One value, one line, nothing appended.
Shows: **5:13**
